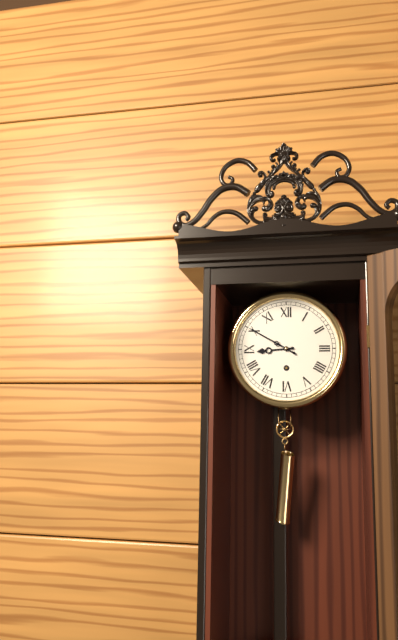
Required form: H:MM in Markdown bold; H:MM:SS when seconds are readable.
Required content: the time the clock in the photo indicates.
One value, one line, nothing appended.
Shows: **8:50**
